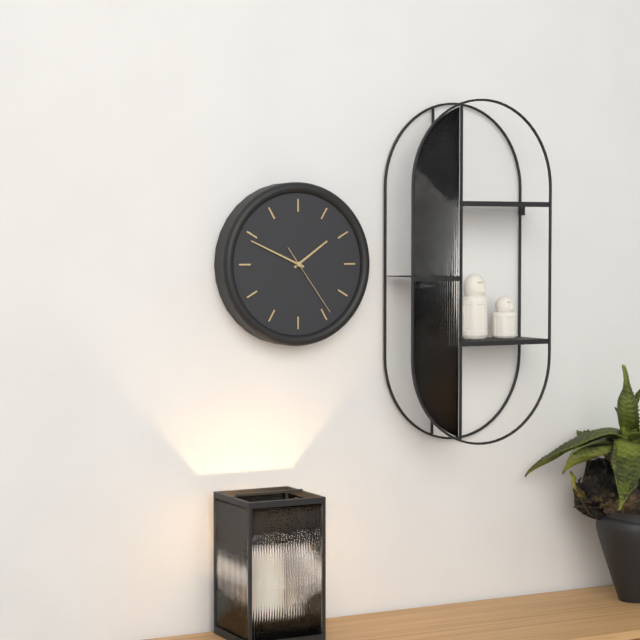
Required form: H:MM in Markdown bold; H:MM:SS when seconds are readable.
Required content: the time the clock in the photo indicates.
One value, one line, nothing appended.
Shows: **1:49:24**
